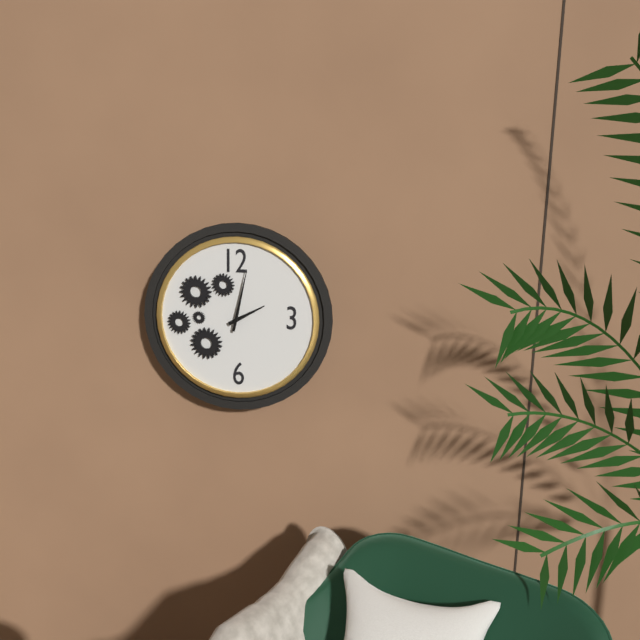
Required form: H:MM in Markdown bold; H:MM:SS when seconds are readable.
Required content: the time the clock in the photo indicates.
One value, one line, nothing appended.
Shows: **2:02**
